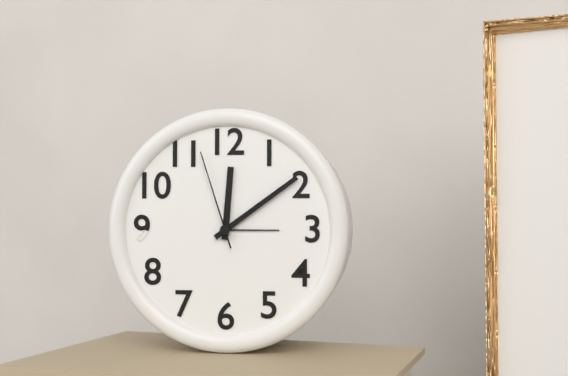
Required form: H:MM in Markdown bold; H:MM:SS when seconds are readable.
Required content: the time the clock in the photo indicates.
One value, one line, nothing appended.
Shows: **12:09:57**
